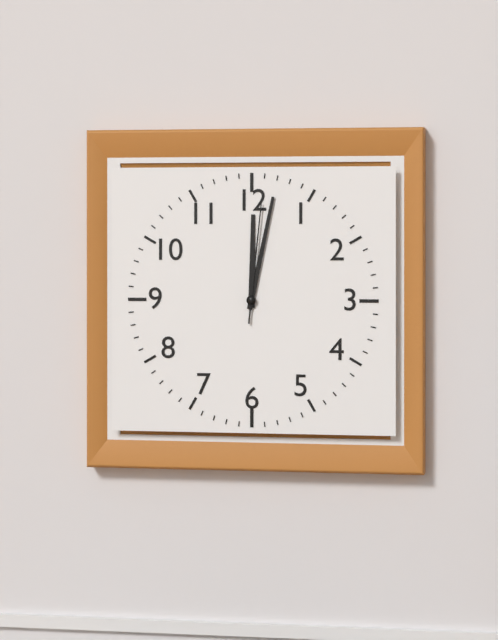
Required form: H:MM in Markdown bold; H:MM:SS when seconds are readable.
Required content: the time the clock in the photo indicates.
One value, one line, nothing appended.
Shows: **12:02:01**
